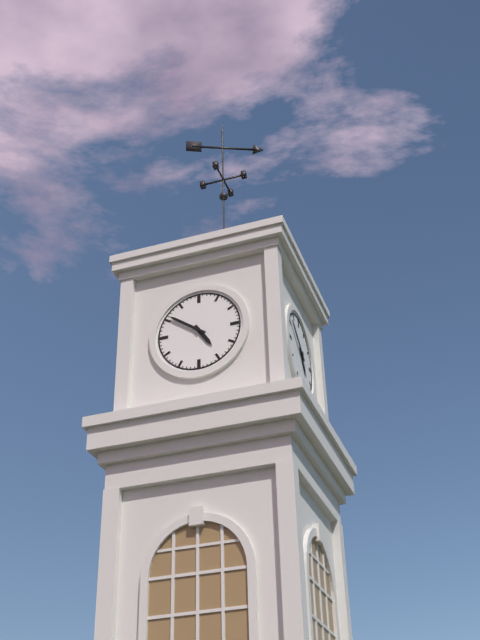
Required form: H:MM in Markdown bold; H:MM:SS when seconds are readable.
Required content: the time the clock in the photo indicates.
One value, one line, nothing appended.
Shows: **4:51**
